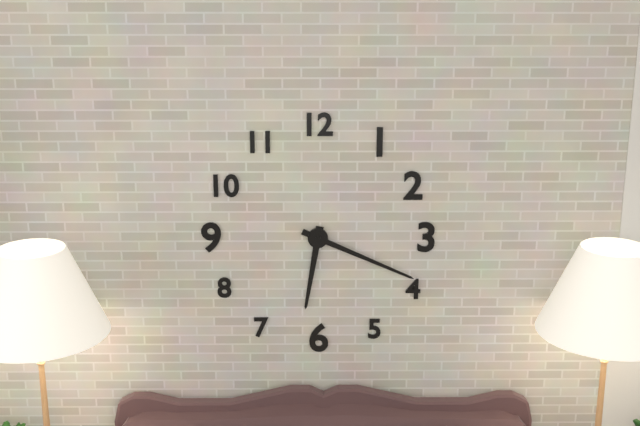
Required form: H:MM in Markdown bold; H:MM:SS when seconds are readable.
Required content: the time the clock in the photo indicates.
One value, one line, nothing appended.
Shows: **6:19**
